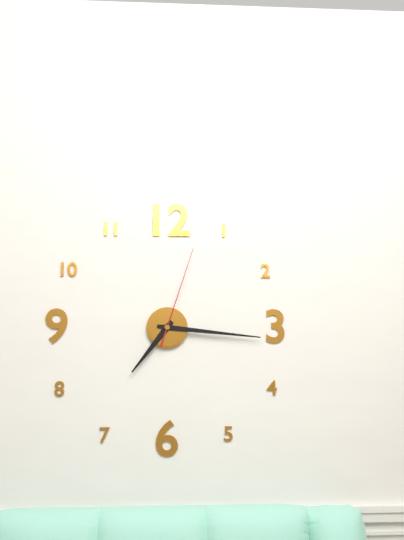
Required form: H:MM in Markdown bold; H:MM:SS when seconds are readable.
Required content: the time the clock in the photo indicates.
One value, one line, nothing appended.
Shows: **7:16:03**
